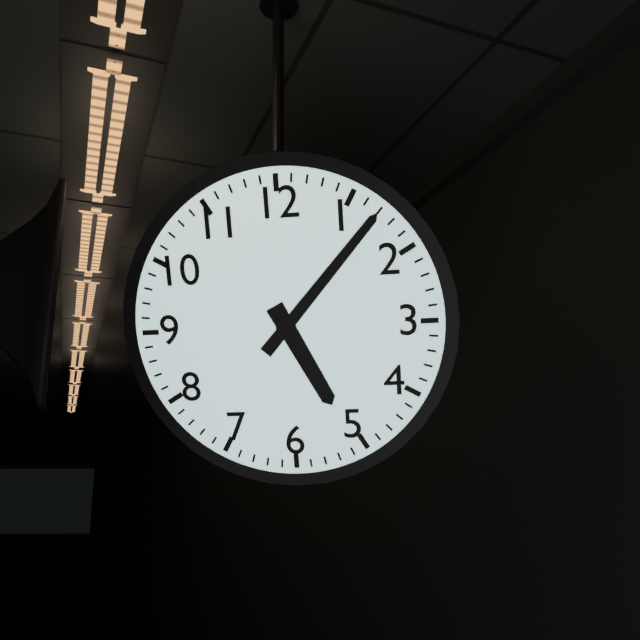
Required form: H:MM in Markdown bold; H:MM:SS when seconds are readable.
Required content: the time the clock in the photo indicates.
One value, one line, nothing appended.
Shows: **5:07**
